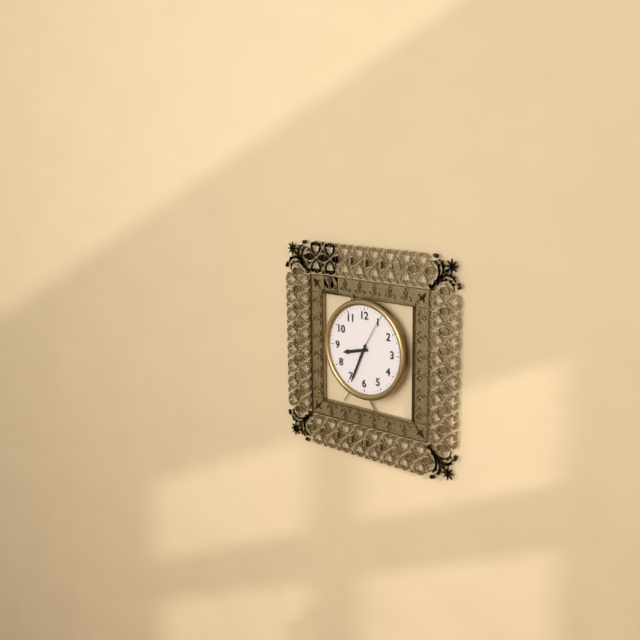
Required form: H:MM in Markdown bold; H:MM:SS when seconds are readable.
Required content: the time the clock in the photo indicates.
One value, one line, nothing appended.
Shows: **8:34**
